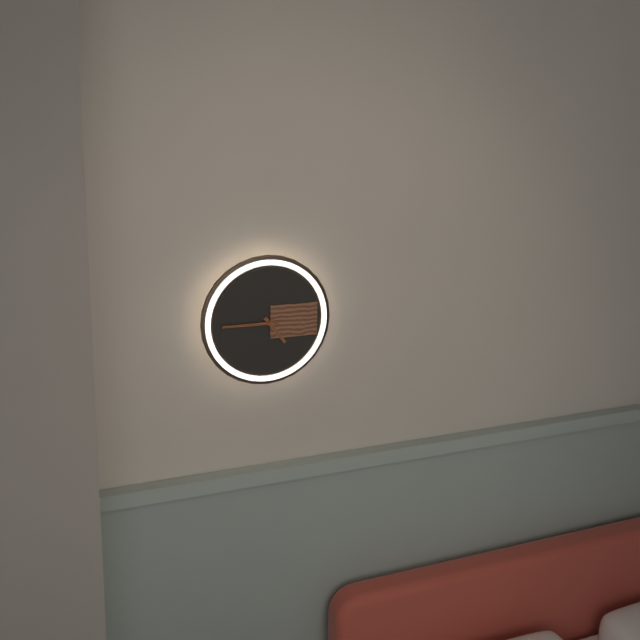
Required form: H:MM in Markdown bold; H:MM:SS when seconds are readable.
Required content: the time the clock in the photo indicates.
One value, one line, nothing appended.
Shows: **4:45**
